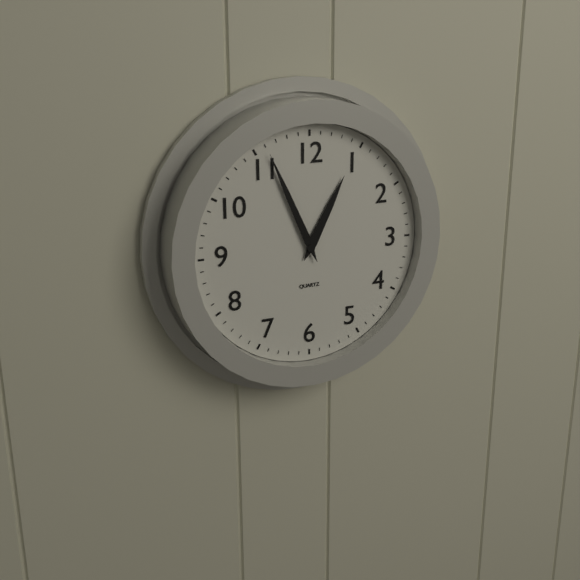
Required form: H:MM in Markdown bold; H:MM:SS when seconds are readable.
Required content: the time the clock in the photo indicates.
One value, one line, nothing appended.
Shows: **12:56**
